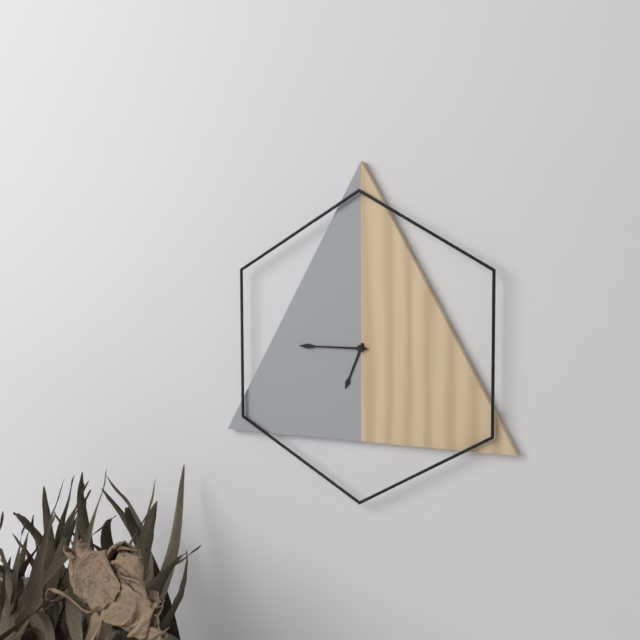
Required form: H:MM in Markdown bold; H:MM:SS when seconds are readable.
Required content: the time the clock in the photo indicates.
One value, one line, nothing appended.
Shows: **6:45**
